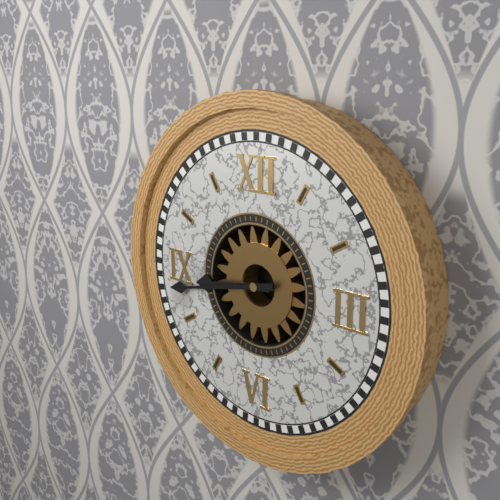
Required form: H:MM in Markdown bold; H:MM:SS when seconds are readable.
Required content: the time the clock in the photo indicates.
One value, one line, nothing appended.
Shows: **8:43**
